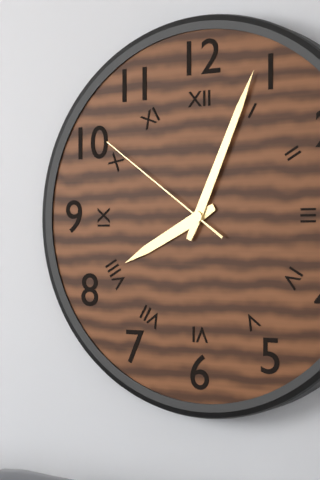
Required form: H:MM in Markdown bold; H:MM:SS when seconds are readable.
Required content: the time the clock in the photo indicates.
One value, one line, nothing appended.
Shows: **8:04:51**
